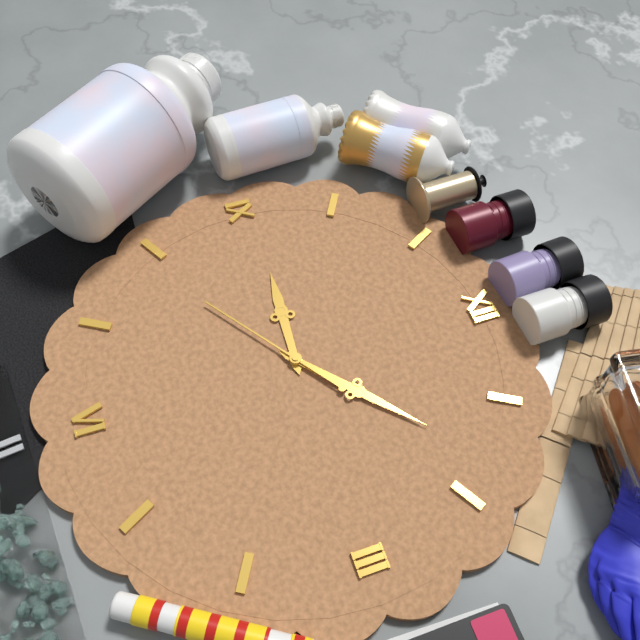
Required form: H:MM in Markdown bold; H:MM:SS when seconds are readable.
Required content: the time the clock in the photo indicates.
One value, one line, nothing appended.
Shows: **9:08:39**
